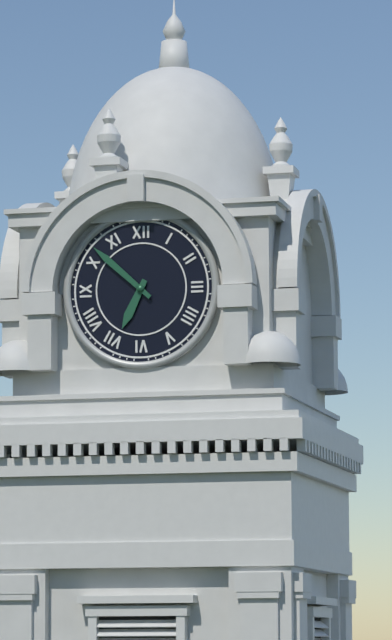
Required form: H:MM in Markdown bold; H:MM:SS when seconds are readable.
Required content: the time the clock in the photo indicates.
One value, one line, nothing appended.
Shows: **6:52**
